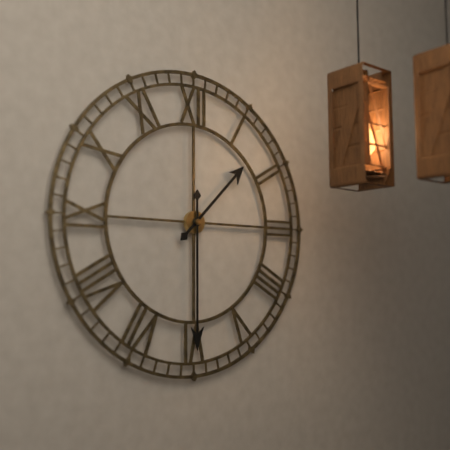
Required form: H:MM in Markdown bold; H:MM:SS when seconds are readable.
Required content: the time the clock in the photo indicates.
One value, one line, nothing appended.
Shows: **1:30**
